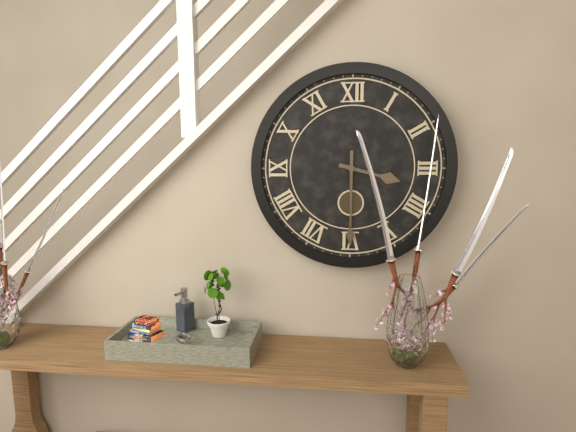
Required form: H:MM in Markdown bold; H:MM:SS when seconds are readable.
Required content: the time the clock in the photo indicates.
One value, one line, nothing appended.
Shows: **3:30**
